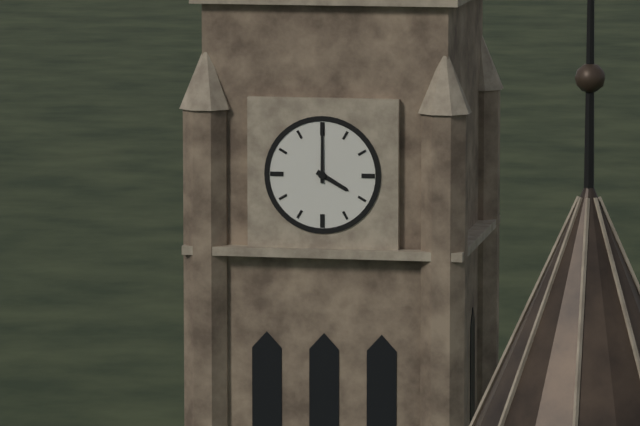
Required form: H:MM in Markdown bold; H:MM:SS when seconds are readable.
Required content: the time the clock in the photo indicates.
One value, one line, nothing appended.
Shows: **4:00**
